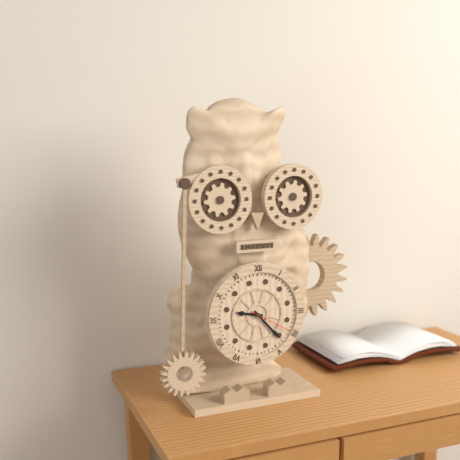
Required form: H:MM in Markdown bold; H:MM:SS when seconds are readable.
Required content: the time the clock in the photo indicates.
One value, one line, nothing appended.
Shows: **9:23**
